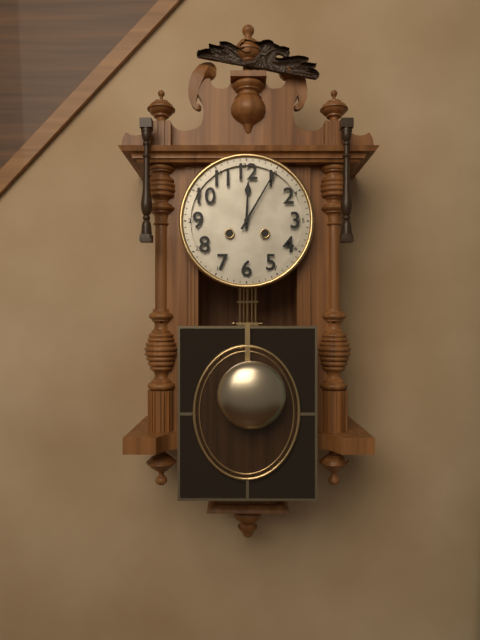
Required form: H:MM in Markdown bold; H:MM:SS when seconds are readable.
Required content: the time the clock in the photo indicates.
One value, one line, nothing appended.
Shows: **12:05**
